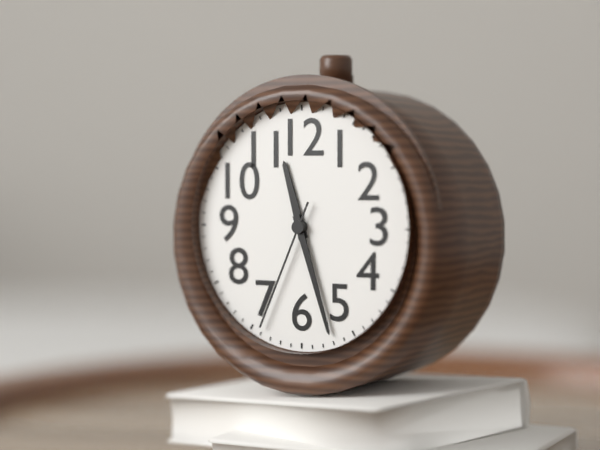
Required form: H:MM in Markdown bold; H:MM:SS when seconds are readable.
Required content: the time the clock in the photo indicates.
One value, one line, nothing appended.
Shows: **11:27:34**
